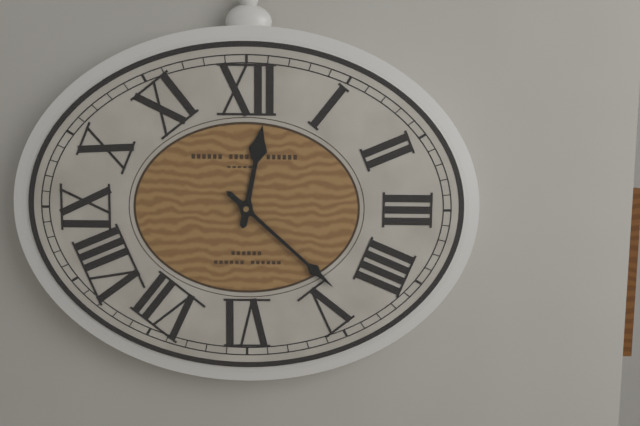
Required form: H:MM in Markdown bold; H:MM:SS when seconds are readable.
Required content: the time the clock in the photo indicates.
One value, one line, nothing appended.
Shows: **12:22**
